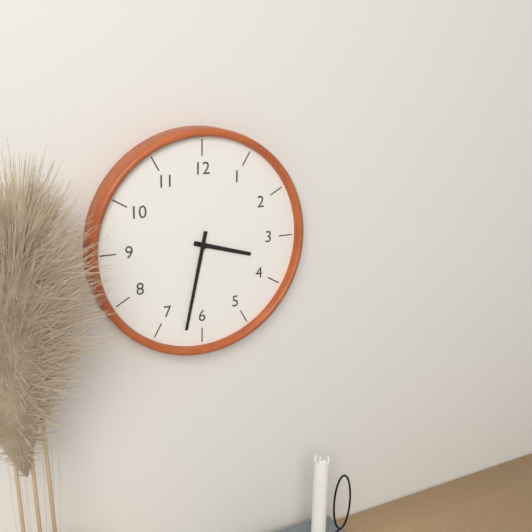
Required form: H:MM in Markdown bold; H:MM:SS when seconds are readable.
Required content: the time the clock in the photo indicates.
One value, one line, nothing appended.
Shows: **3:32**
